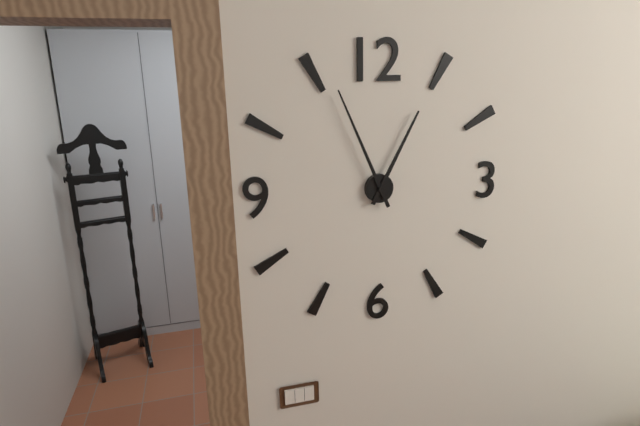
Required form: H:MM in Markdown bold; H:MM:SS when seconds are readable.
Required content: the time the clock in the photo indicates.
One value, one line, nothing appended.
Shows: **12:56**
